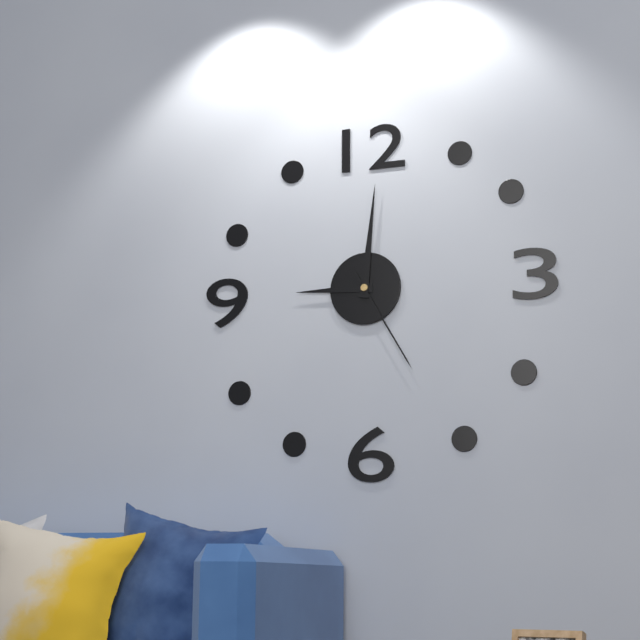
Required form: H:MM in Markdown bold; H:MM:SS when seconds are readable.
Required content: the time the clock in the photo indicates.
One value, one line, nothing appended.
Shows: **9:01:25**
